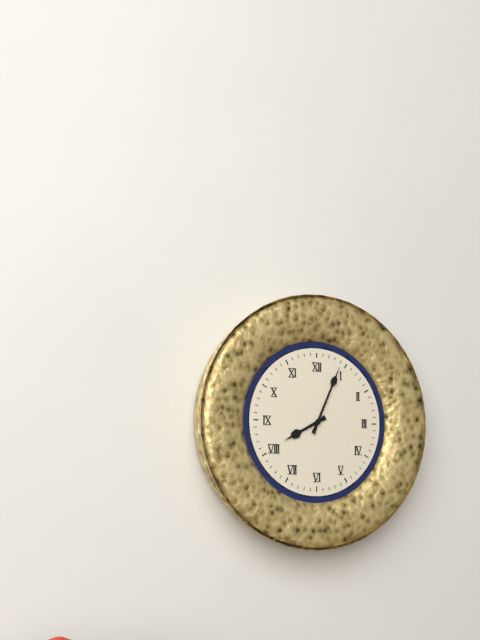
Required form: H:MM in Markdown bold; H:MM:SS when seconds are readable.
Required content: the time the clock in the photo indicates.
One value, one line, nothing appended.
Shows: **8:04**
